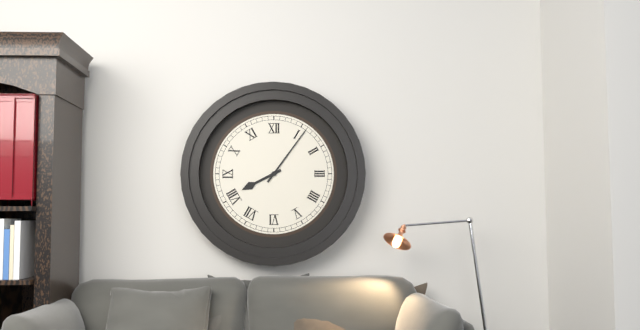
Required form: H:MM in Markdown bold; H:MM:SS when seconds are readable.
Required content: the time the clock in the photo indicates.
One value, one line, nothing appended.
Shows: **8:06**
